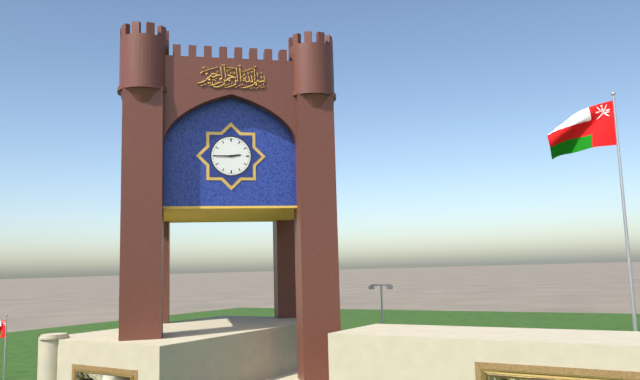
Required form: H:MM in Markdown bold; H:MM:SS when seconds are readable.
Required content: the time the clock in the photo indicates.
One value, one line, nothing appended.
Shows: **2:45**
